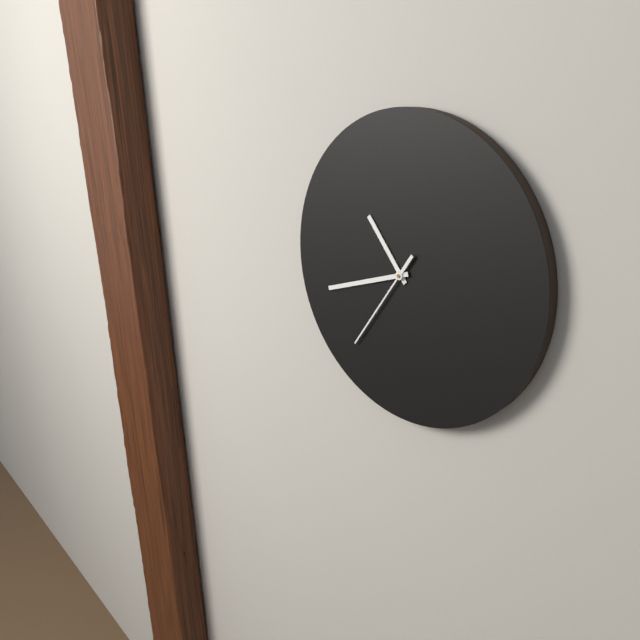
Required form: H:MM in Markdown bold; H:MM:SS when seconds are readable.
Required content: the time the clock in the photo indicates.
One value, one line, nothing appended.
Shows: **10:42:36**
